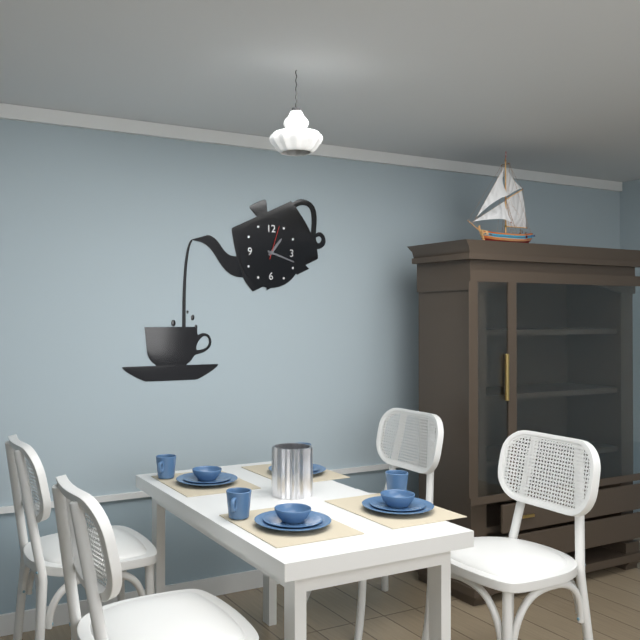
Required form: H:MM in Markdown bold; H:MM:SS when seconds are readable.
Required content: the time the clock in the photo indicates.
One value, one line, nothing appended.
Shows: **1:18**
